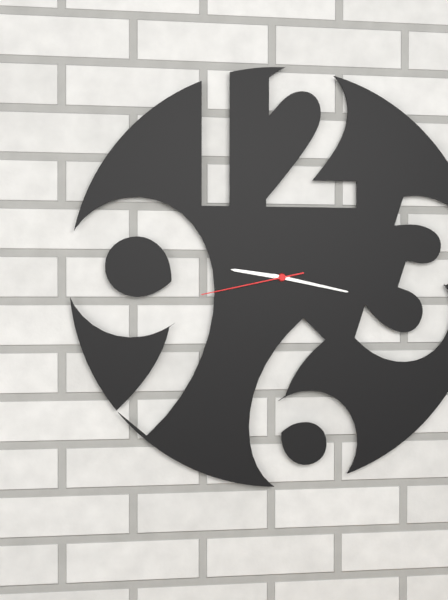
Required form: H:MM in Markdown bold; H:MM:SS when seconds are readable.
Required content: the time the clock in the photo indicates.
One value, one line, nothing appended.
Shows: **9:17:43**
